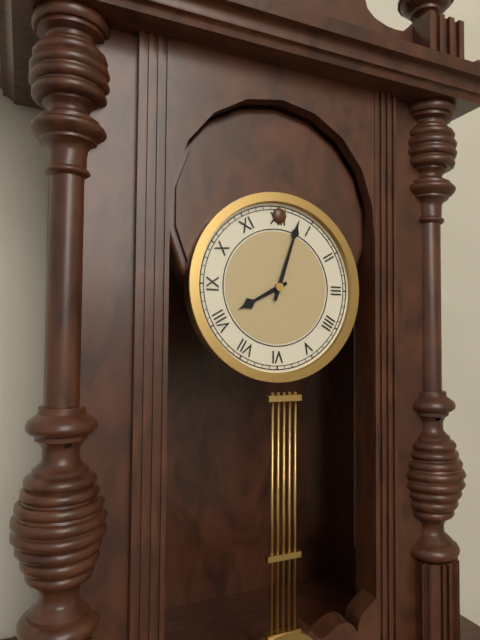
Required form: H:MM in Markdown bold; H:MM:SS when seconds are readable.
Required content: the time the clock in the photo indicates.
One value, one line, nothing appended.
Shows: **8:03**
